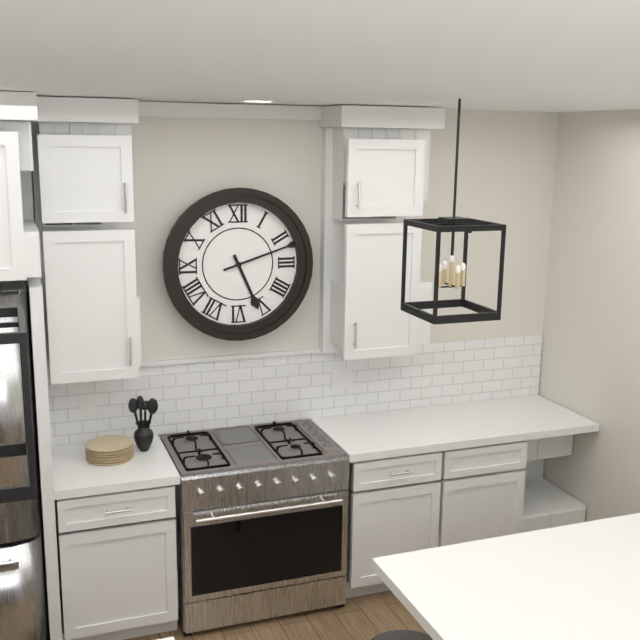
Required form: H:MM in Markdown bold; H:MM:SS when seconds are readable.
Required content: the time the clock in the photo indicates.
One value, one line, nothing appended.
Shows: **5:12**
